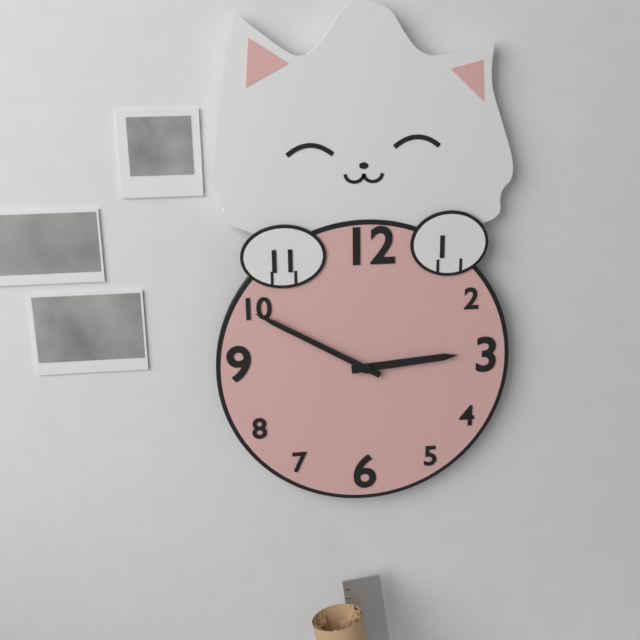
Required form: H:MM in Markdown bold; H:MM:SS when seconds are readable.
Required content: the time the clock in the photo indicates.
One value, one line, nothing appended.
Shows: **2:50**
